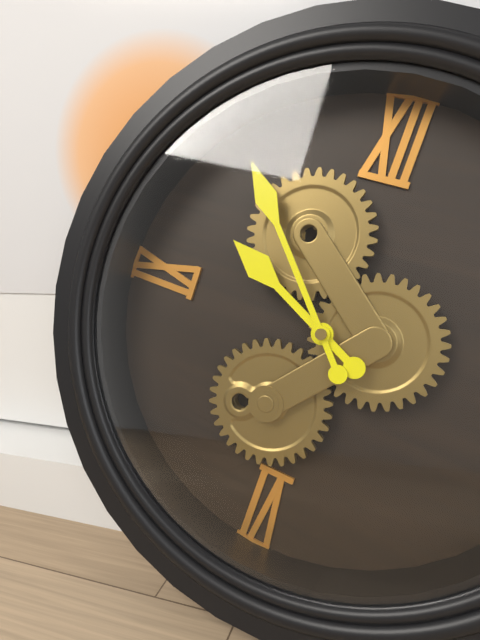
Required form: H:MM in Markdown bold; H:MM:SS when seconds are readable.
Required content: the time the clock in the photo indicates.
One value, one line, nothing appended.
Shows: **9:53**
